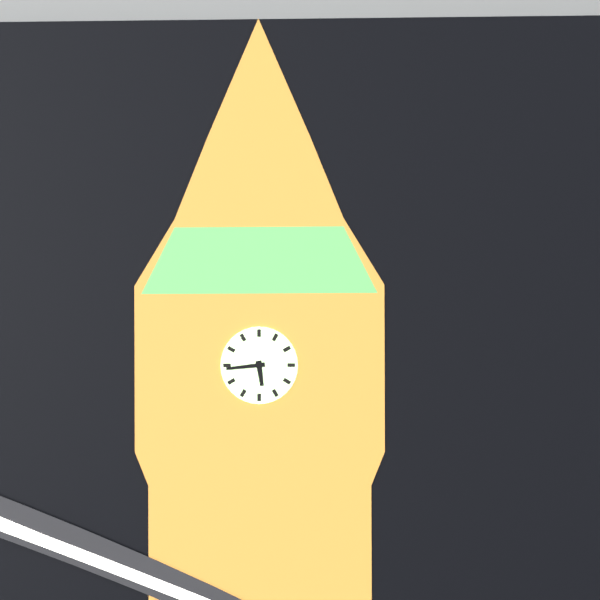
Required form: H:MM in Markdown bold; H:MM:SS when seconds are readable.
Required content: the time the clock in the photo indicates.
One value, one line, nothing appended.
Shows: **5:44**
